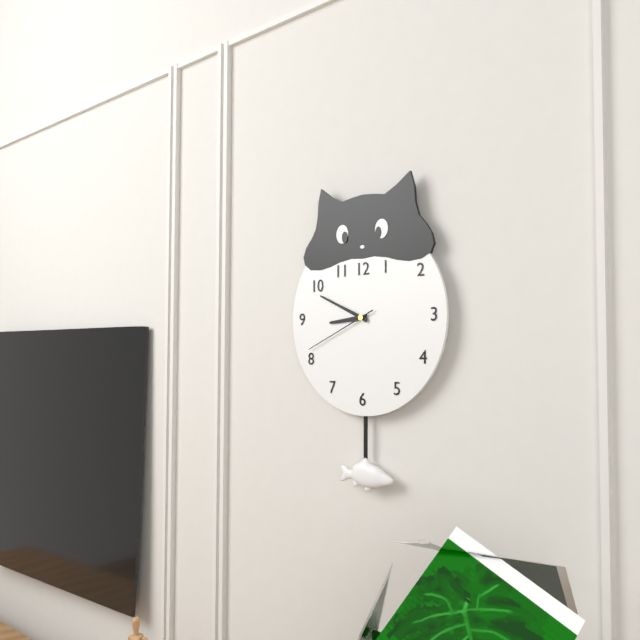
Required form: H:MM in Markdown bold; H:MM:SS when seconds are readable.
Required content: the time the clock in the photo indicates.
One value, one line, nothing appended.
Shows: **8:49:41**
